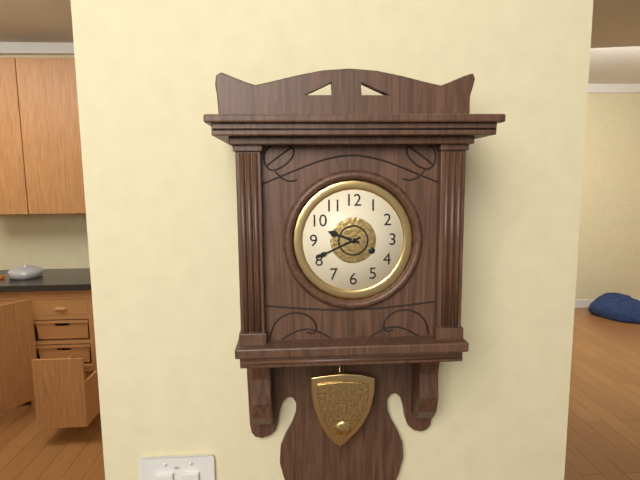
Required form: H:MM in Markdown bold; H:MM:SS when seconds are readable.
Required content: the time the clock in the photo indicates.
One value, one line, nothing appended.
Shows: **9:41**
